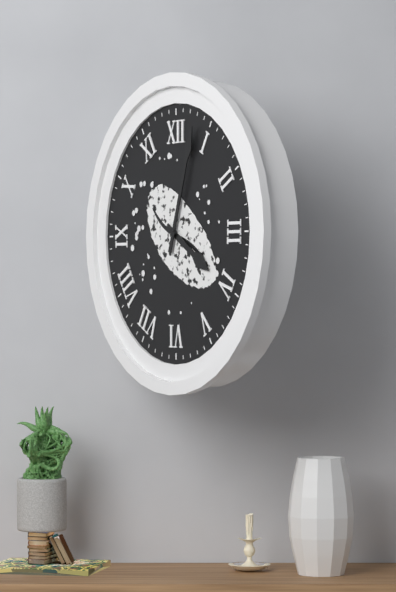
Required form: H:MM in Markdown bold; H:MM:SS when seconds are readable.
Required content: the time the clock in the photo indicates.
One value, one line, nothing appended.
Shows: **4:03**
